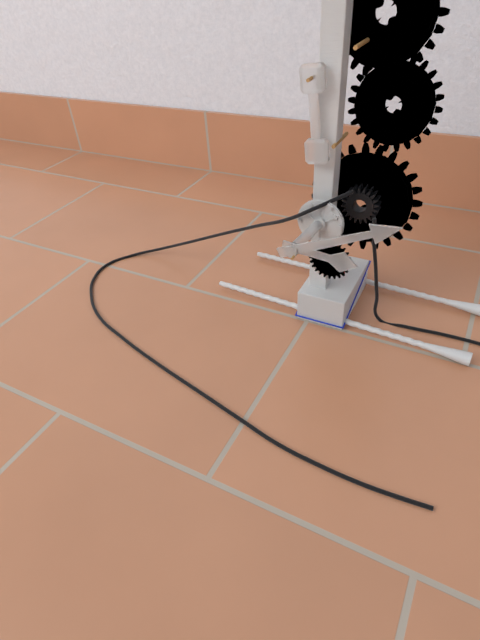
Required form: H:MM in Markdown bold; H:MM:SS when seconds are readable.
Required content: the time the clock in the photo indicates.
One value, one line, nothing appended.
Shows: **3:11**
